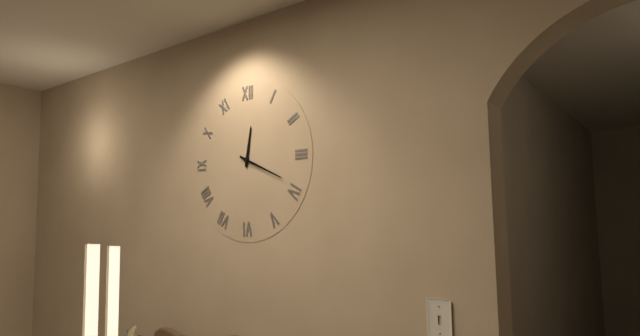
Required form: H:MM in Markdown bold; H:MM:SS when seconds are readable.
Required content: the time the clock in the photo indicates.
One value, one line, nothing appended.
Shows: **12:19**
